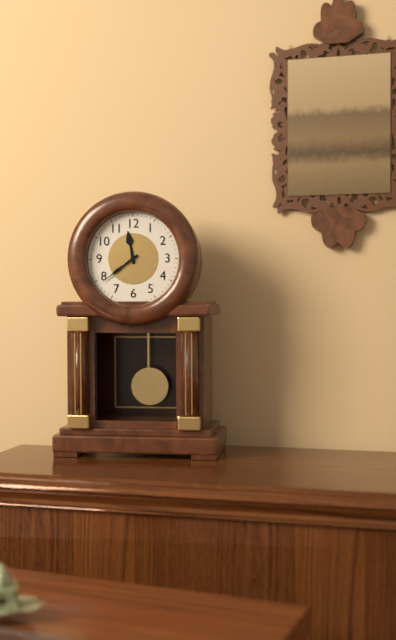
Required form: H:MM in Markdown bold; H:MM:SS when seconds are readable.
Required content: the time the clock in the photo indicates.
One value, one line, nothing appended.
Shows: **11:39**
